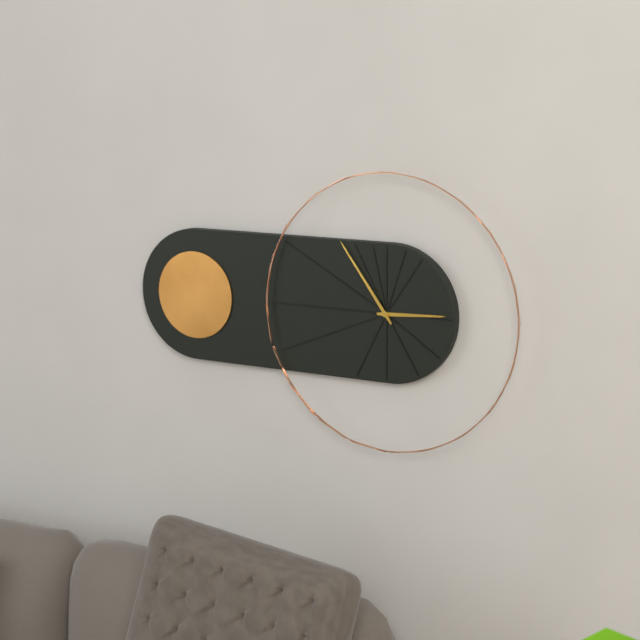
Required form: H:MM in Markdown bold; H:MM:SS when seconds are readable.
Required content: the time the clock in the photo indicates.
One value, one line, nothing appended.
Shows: **2:54**
